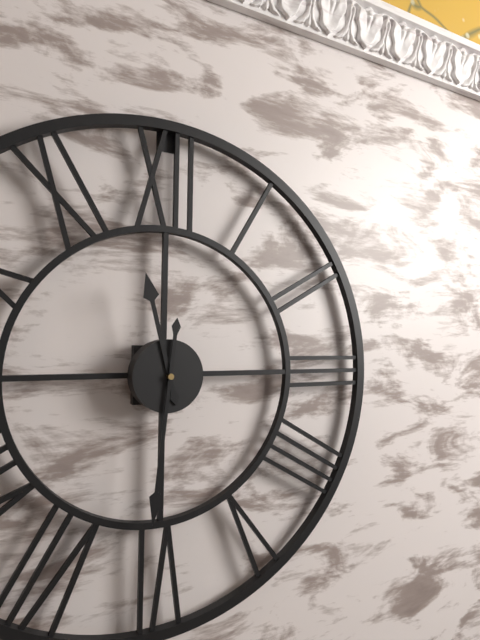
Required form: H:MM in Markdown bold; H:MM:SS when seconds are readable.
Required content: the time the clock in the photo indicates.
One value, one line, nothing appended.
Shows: **11:31**
